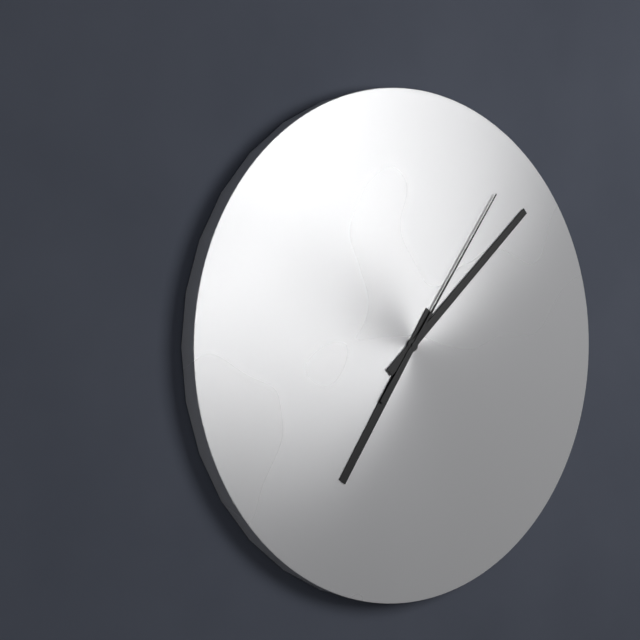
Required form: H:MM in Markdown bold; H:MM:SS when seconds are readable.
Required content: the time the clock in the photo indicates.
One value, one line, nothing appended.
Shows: **7:08:06**
